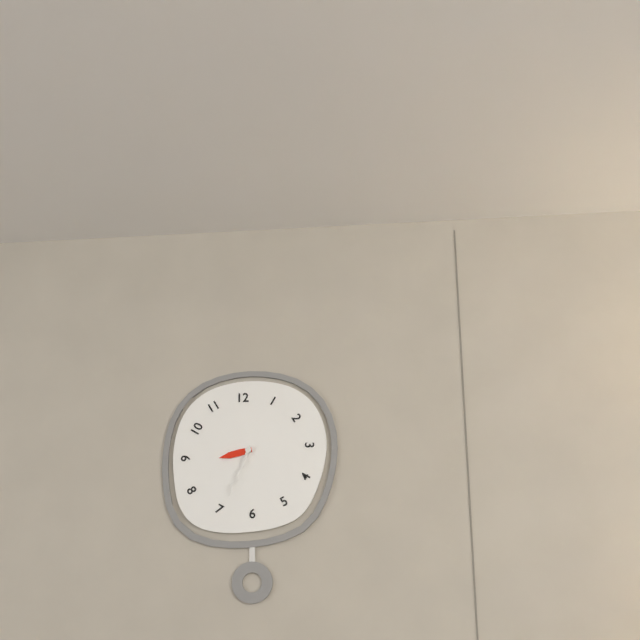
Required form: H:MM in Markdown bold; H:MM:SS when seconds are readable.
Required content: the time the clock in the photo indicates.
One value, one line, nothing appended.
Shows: **8:34**
